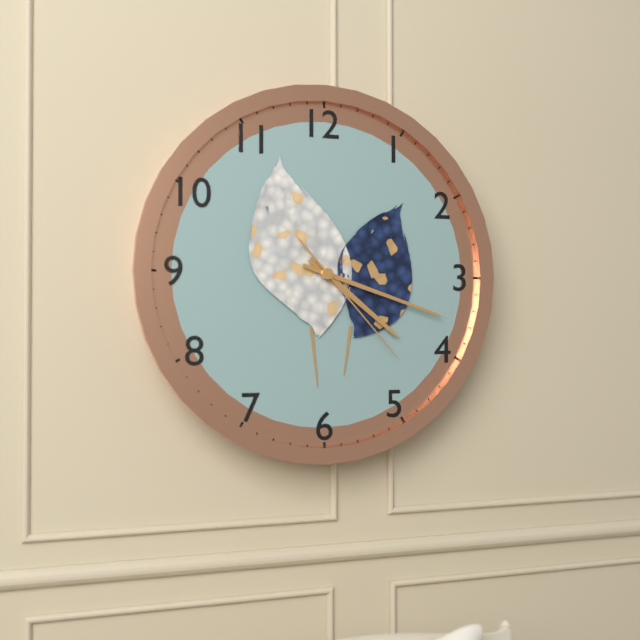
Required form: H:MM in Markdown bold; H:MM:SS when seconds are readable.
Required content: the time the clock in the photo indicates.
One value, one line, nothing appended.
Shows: **4:18:23**
